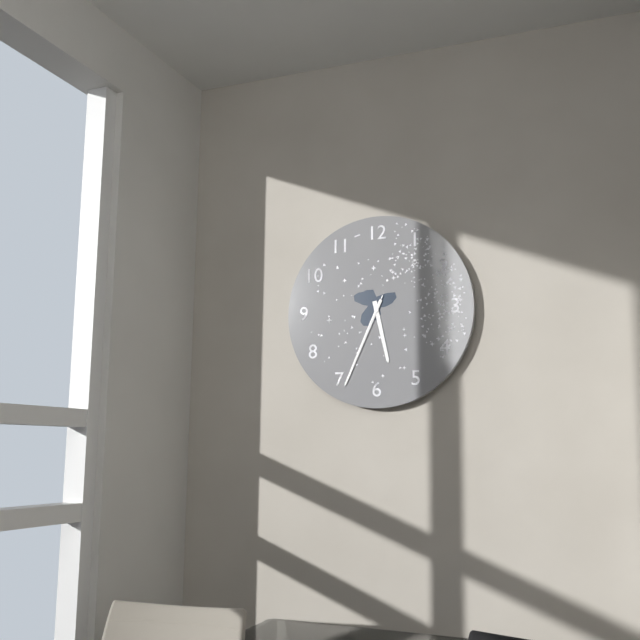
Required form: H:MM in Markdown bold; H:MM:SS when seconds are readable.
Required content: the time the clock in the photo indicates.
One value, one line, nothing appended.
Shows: **5:34:34**
